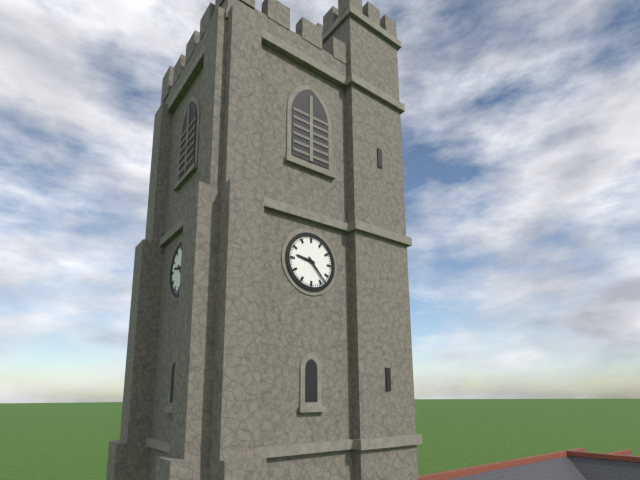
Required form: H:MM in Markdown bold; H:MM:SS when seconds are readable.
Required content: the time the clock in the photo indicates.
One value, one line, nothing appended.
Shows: **9:23**
